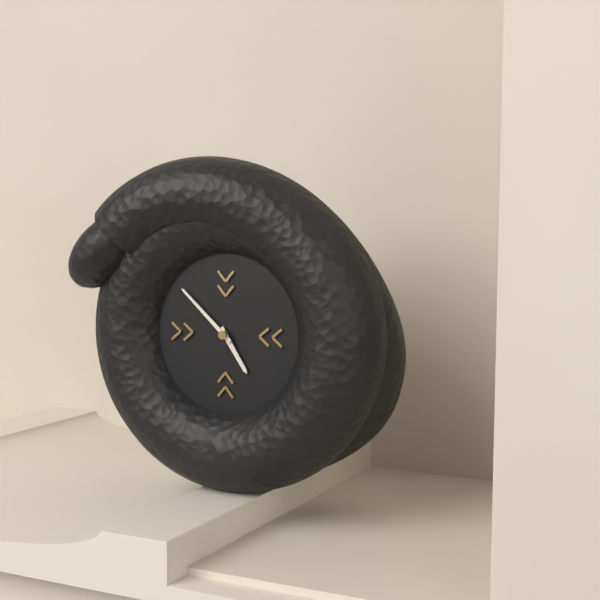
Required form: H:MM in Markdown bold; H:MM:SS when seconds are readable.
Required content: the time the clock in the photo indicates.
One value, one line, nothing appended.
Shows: **4:52**
